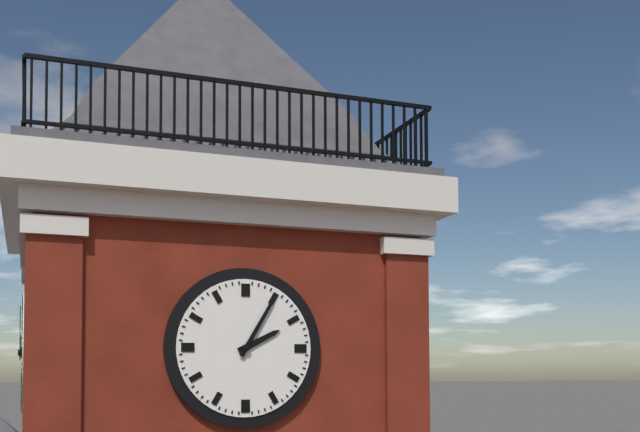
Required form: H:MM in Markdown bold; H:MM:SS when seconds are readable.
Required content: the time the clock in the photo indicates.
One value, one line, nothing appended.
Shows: **2:05**
